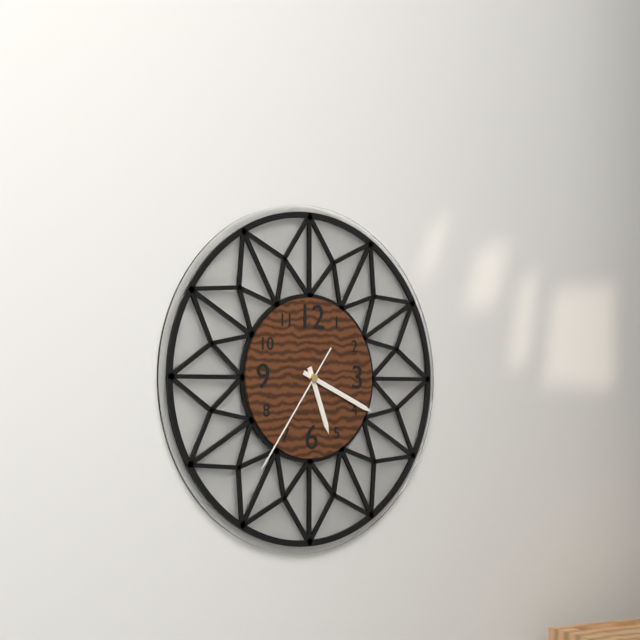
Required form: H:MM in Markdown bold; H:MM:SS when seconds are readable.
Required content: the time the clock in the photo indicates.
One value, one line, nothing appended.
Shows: **5:19:36**
